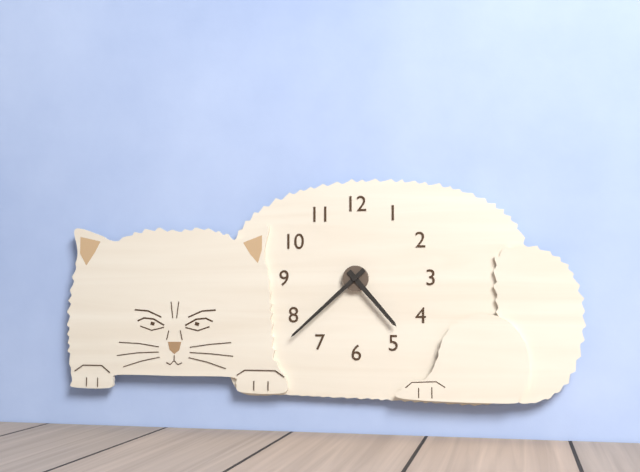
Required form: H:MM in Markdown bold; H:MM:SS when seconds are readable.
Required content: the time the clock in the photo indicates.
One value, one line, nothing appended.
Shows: **4:38**
